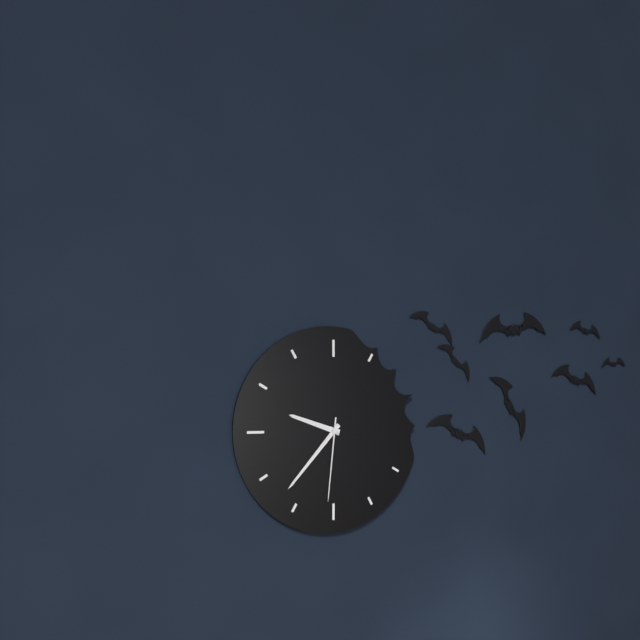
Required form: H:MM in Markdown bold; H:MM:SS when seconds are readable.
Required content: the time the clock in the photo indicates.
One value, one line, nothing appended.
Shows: **9:37:31**
